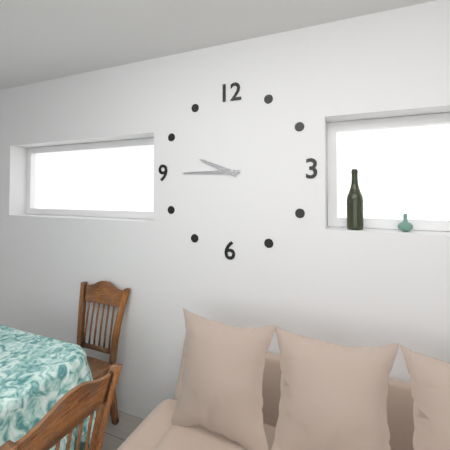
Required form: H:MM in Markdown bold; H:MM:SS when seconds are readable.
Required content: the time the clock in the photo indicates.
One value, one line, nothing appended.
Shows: **9:45**
